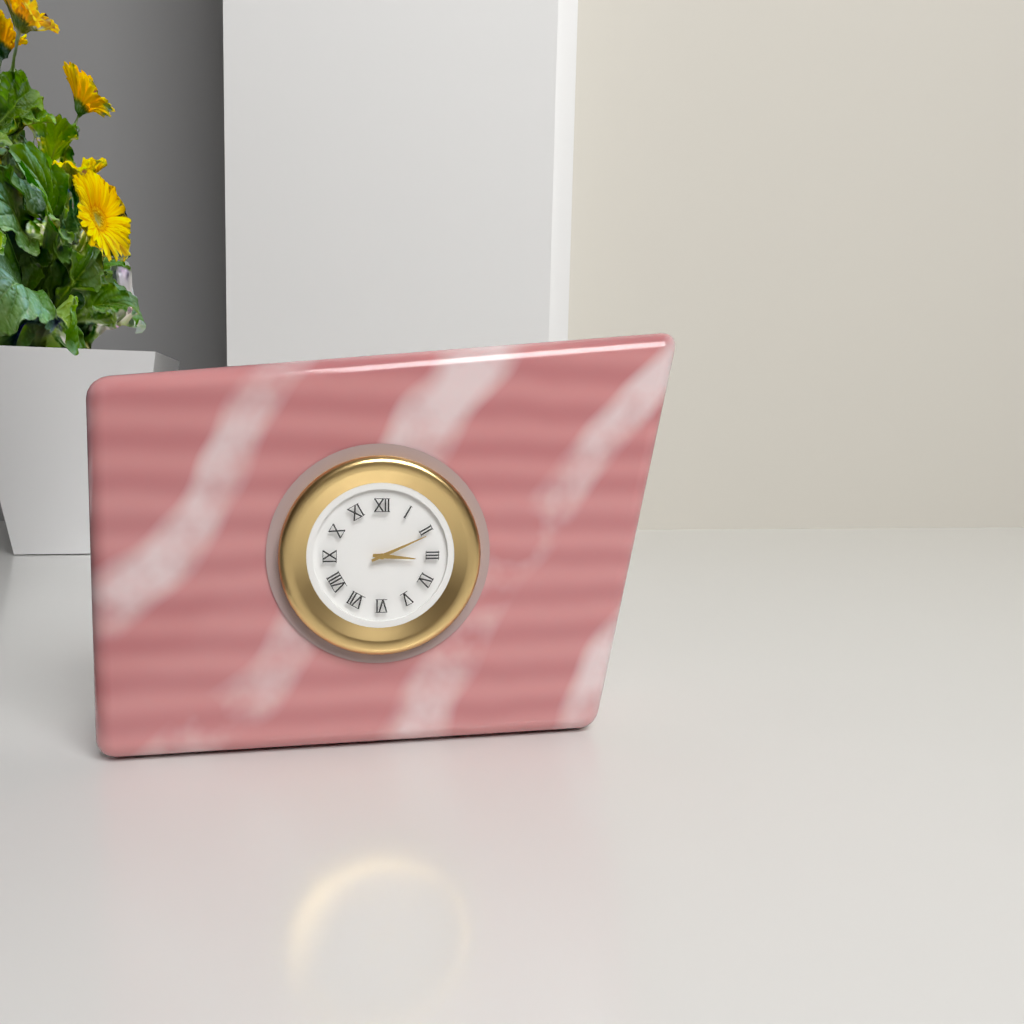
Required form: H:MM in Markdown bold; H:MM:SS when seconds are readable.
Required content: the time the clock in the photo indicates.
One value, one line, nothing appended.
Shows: **3:11**
